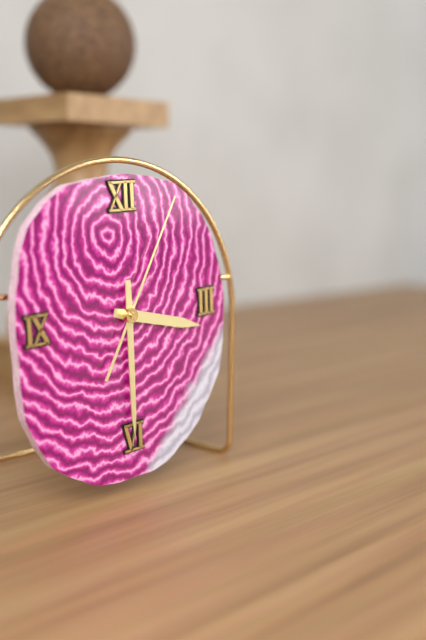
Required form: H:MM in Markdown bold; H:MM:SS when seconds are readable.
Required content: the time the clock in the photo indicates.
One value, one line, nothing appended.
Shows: **3:30:05**
